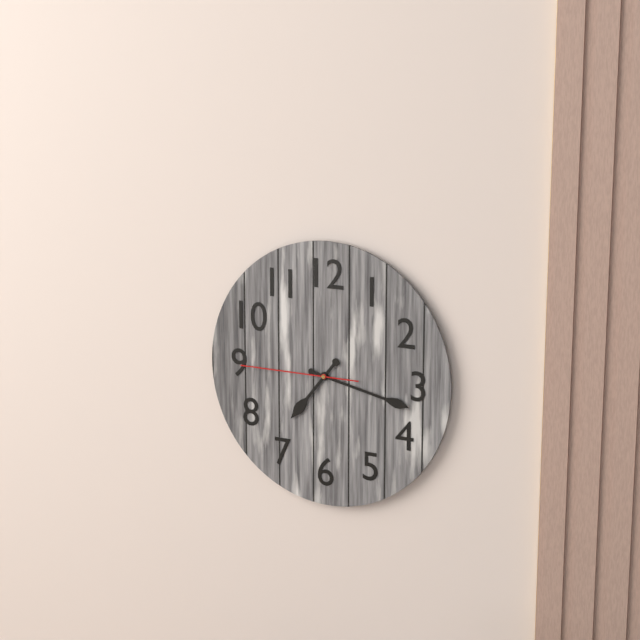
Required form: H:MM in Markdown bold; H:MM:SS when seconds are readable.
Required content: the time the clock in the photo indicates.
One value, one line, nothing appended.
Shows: **7:17:45**
